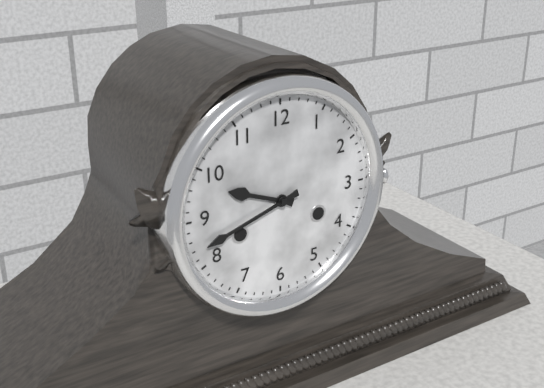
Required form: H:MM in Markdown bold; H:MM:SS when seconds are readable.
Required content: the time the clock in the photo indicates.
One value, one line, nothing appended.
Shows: **9:42**
